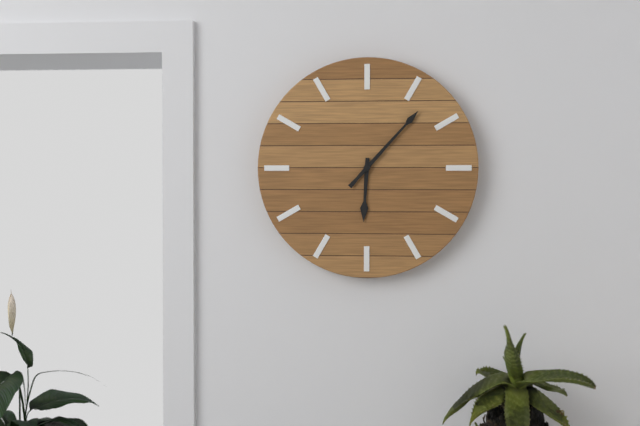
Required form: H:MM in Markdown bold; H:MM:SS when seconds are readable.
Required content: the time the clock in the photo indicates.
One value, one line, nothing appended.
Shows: **6:07**
